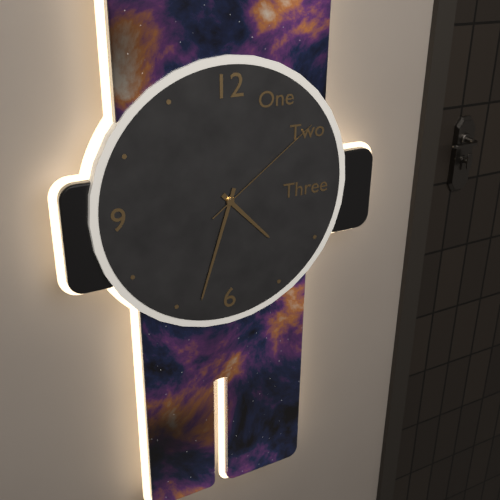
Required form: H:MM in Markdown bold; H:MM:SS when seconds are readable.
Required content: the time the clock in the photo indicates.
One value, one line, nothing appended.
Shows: **4:33:09**
